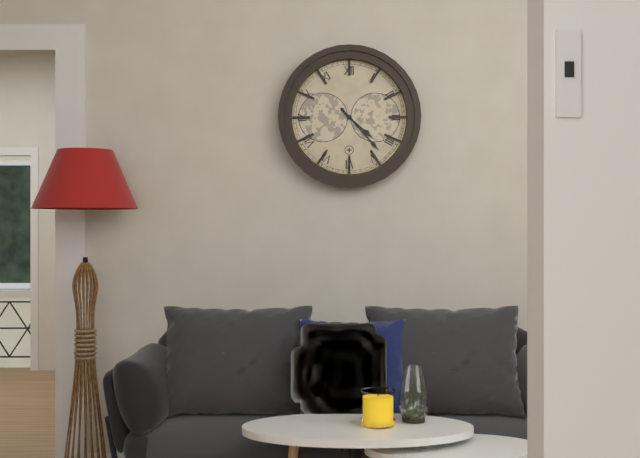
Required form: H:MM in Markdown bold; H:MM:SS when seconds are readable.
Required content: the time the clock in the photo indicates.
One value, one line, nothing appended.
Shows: **4:23**
